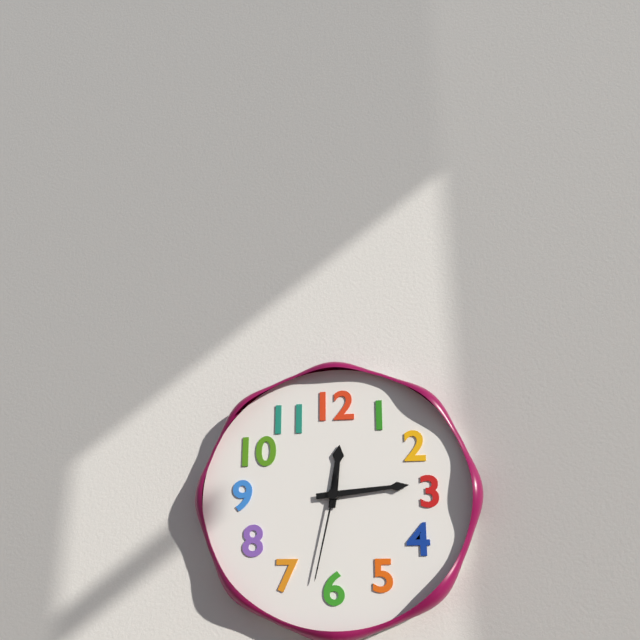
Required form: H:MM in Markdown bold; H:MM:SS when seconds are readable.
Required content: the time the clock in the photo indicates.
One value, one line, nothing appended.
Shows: **12:14:32**
